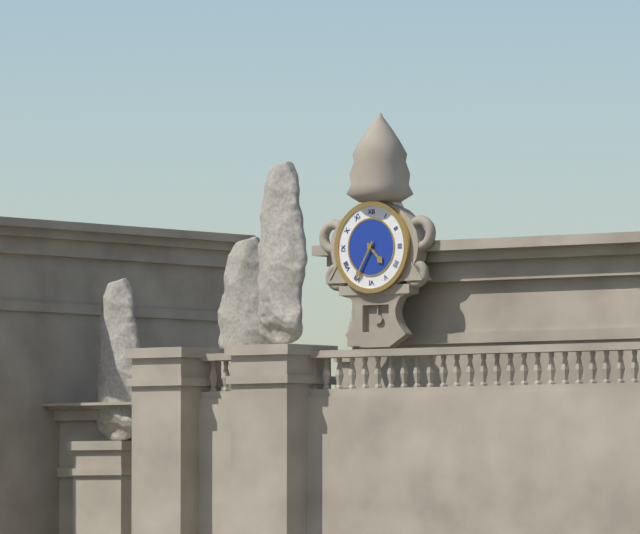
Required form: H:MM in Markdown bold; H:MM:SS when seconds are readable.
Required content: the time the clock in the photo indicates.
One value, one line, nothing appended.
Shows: **4:35**
